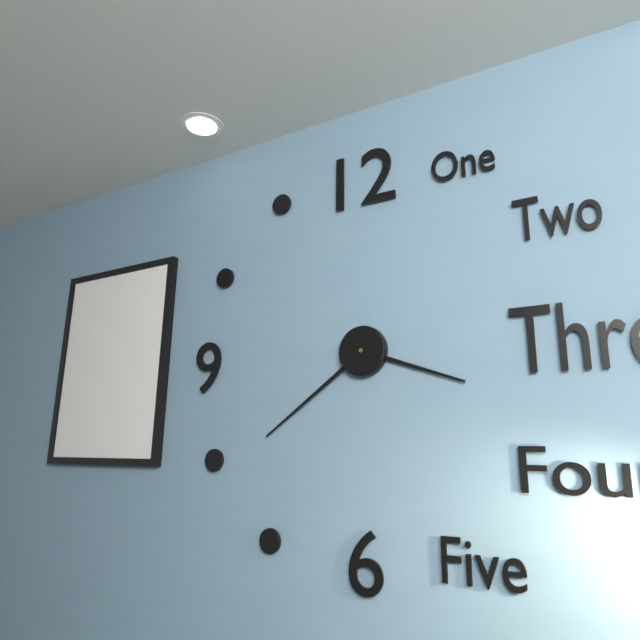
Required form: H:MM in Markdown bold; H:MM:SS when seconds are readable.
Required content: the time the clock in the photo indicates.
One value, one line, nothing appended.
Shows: **3:39**
